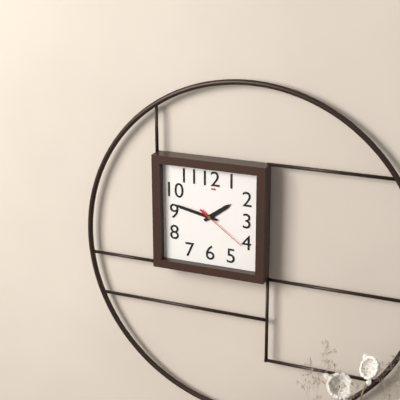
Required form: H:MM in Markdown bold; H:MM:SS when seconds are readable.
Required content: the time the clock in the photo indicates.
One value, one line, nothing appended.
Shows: **1:47:21**
